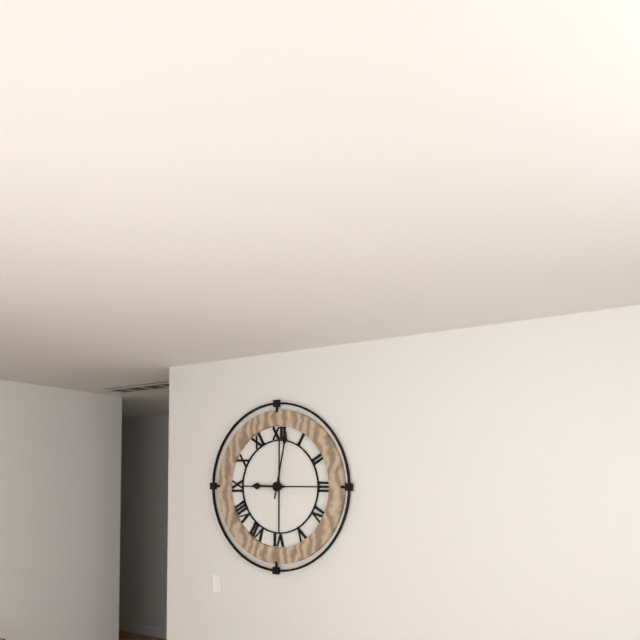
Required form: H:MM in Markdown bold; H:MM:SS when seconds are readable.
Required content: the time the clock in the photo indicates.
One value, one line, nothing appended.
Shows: **9:02**
